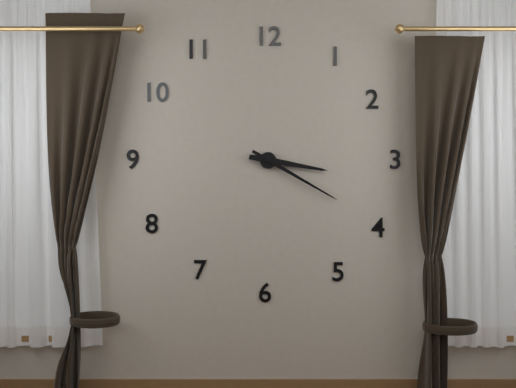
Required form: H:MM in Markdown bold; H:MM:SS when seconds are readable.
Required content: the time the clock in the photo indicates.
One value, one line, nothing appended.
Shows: **3:20**
